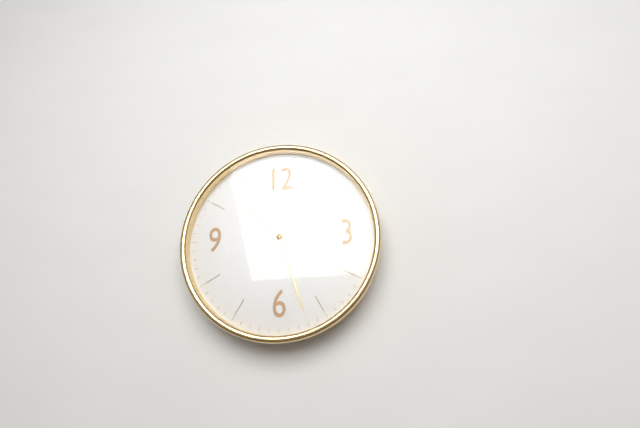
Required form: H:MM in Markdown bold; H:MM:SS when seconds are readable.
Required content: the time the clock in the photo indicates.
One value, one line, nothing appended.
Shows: **10:27**
